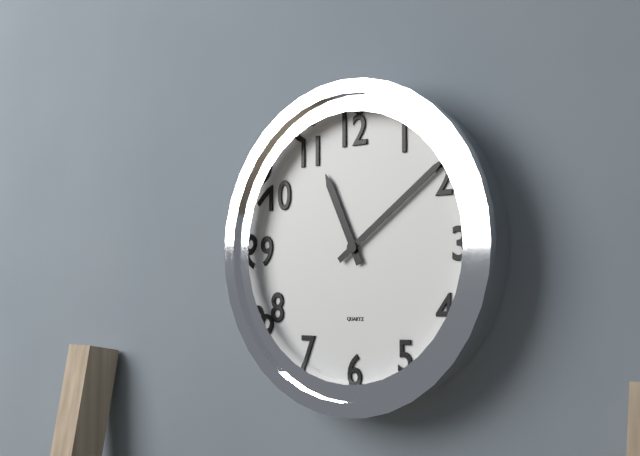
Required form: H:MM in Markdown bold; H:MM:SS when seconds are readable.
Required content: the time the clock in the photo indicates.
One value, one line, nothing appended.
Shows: **11:09**
